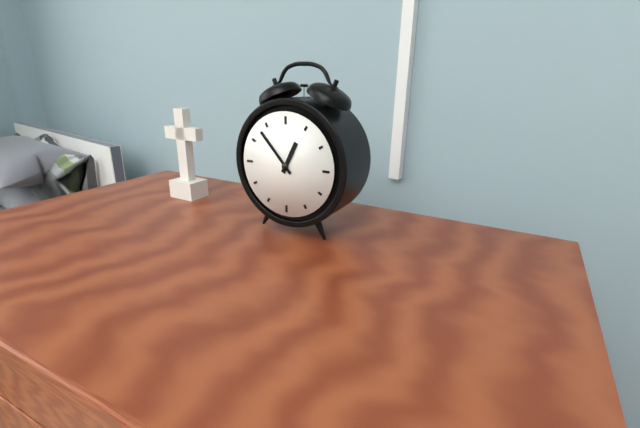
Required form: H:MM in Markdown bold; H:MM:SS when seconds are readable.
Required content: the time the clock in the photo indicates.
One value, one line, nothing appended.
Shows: **12:53**
